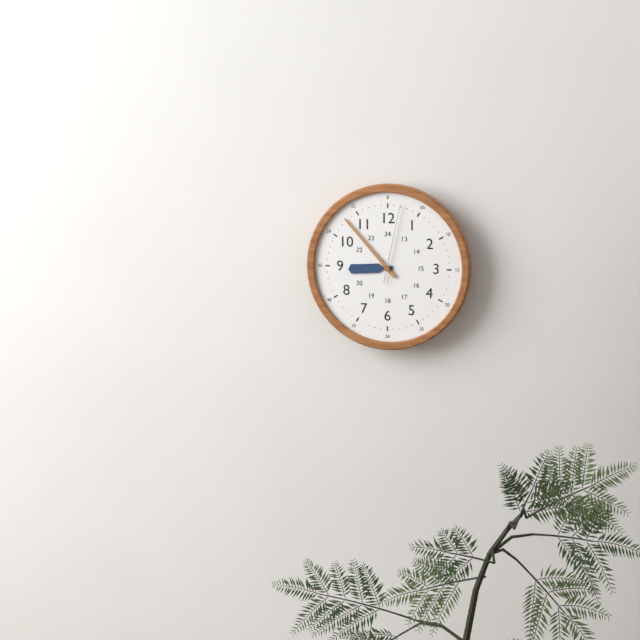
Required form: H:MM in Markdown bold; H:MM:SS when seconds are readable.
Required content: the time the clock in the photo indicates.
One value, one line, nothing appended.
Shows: **8:53:02**
